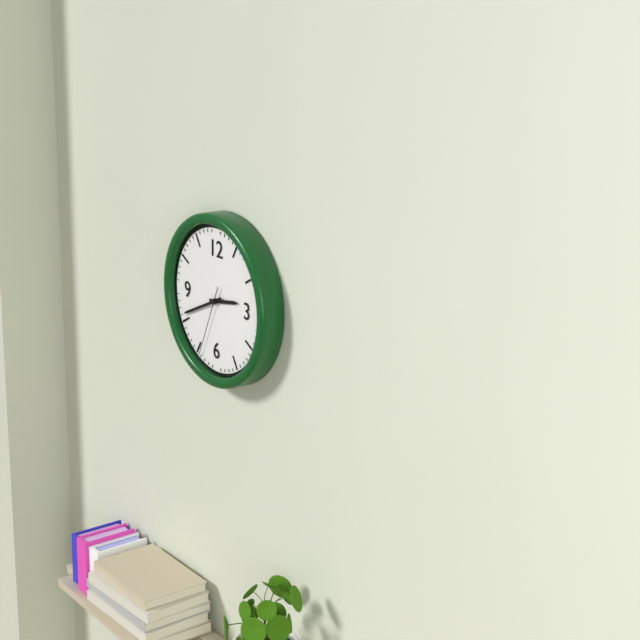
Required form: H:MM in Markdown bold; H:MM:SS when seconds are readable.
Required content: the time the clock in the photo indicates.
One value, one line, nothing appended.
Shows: **2:41:34**
